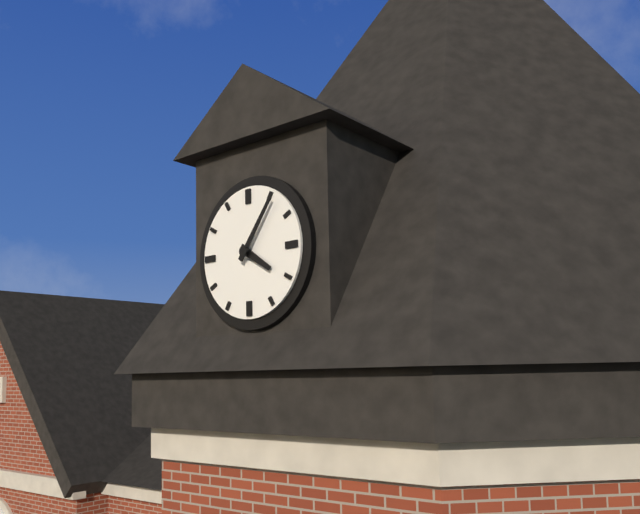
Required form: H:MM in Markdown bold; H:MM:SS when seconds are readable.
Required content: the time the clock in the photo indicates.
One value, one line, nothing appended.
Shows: **4:06**
